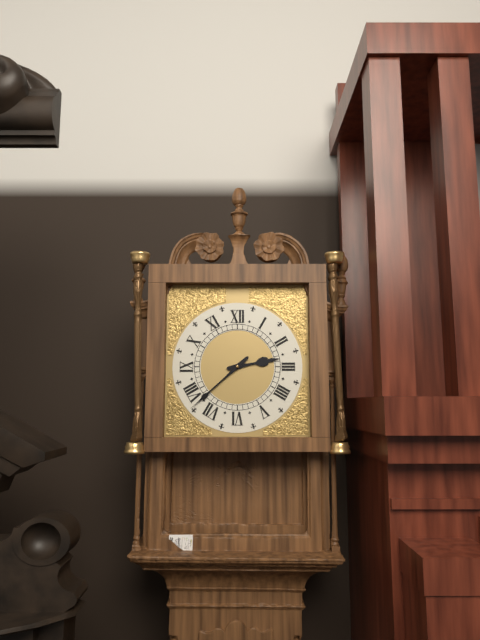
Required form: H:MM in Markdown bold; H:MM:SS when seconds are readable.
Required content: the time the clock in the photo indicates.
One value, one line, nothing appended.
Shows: **2:38**
